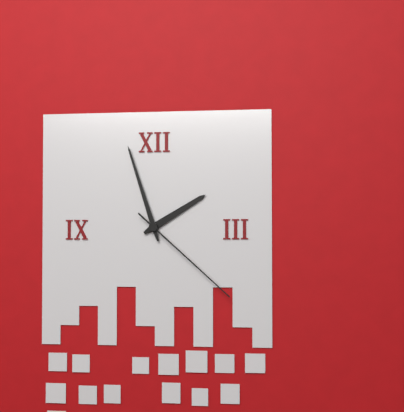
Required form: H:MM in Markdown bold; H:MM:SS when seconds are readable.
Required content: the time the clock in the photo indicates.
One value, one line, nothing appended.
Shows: **1:57:22**
